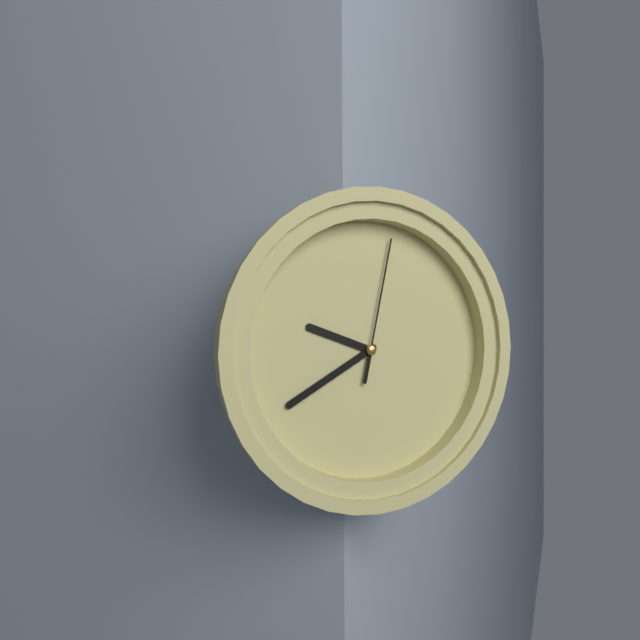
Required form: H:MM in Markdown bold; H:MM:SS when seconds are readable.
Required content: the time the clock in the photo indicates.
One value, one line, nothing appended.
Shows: **9:40:02**
